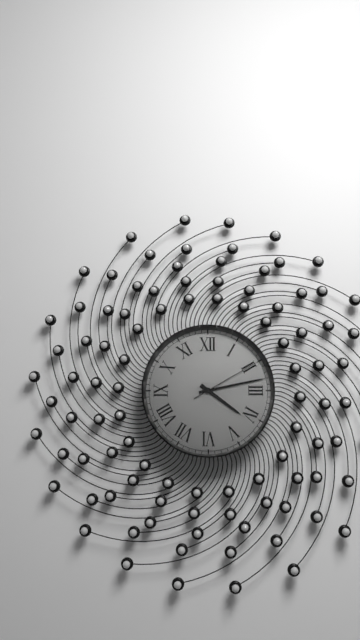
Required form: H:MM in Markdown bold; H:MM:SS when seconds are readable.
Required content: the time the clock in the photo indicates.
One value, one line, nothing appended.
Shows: **4:13:10**
